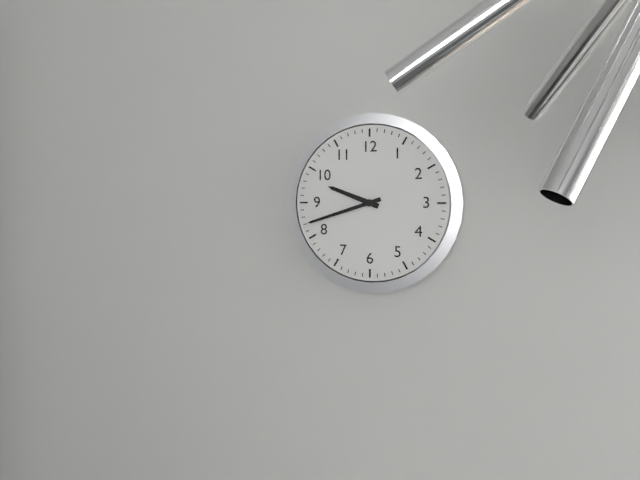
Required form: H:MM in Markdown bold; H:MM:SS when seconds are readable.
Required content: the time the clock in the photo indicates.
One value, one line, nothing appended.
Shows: **9:42**
